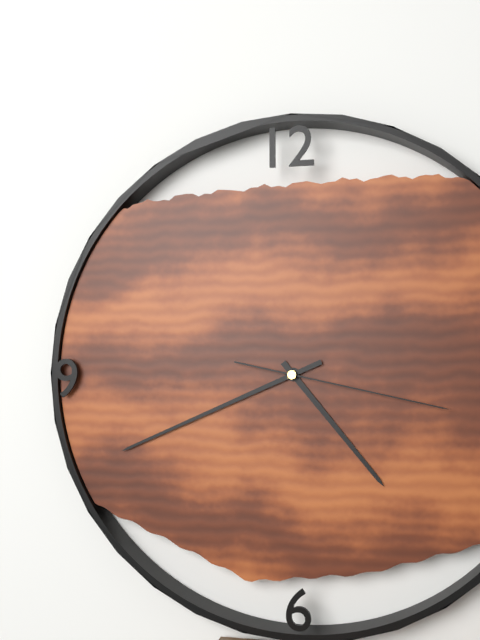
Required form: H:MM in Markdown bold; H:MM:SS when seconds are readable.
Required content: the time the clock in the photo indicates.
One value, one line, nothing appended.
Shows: **4:41:17**
